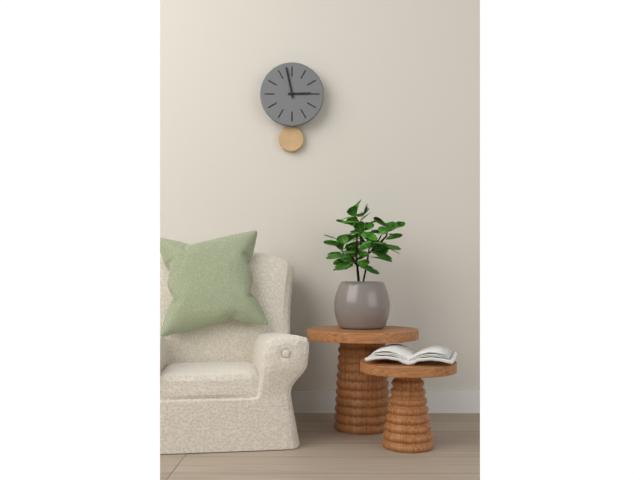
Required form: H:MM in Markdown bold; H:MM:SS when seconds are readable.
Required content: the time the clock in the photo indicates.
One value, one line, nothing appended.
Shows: **2:58**
